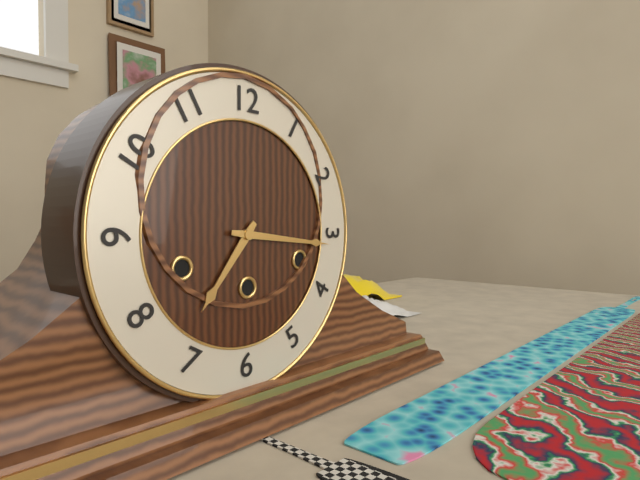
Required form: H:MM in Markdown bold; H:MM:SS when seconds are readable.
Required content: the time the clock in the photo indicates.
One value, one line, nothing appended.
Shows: **7:16**
